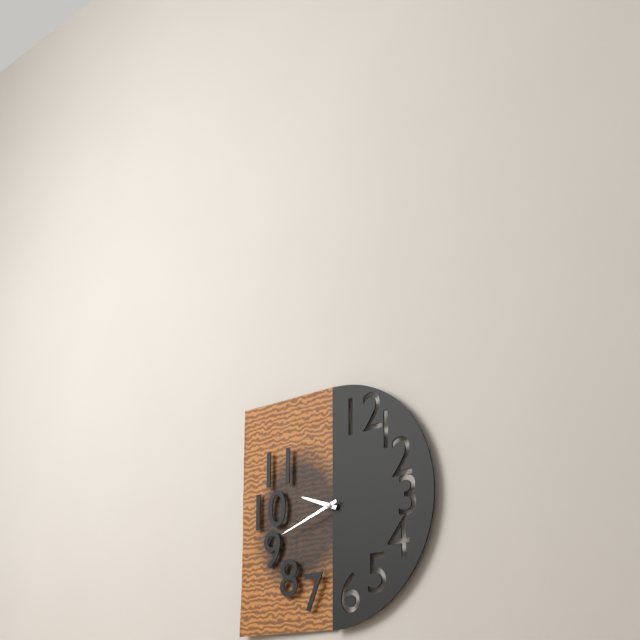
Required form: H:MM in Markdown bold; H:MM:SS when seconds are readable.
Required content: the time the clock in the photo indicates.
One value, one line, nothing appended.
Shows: **9:42**
